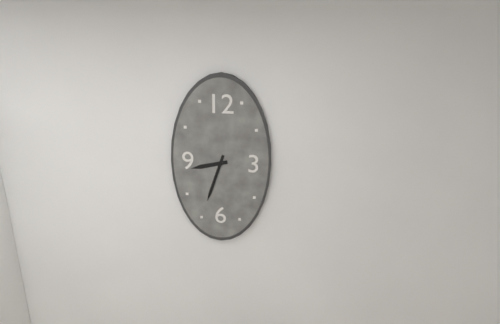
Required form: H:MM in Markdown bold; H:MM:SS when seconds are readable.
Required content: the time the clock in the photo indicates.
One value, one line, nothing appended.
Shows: **8:33**
